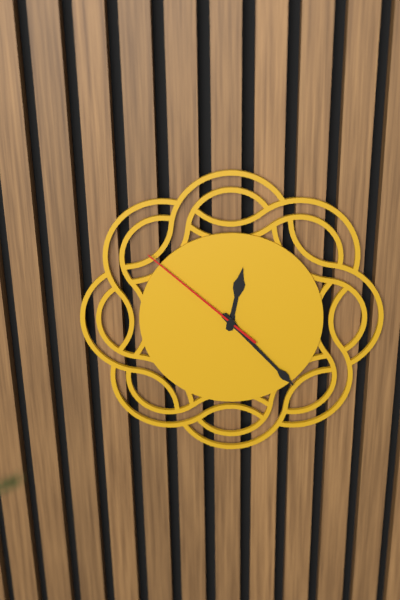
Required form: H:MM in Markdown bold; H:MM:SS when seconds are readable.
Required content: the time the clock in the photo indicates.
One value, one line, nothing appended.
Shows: **12:23:52**
